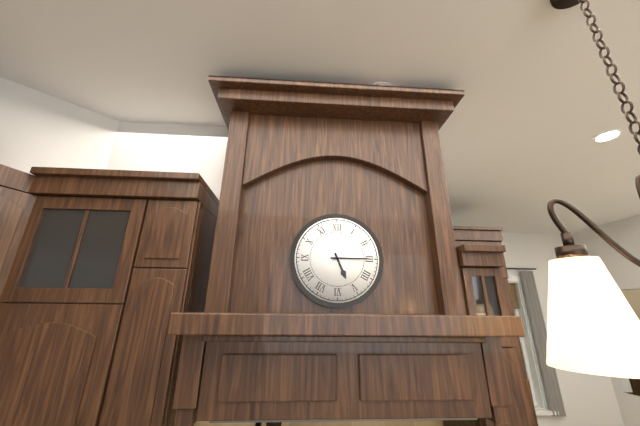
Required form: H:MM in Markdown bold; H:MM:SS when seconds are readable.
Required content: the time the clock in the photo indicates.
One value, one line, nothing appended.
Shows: **5:15**
